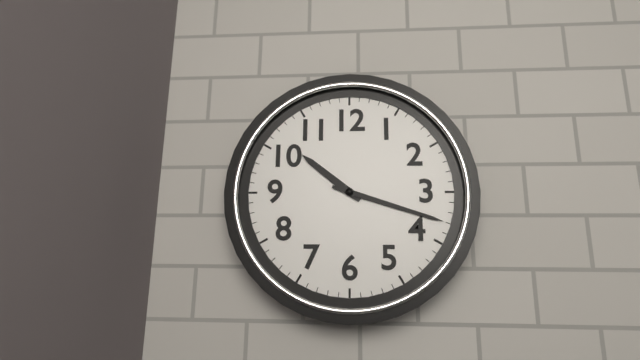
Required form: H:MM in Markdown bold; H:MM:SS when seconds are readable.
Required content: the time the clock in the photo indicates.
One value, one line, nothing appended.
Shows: **10:18**
